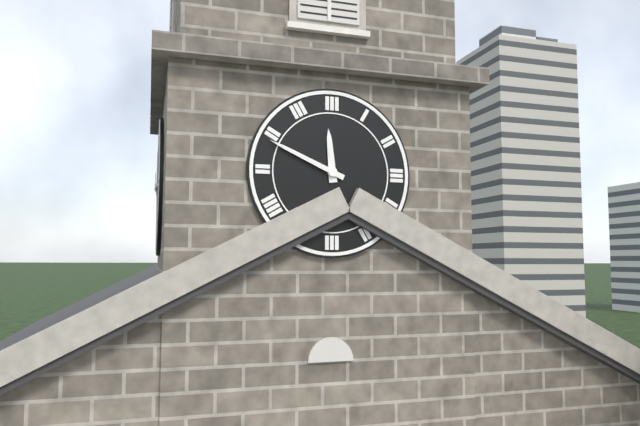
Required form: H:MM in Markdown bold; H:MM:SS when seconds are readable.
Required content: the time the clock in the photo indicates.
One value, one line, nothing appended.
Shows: **11:49**
